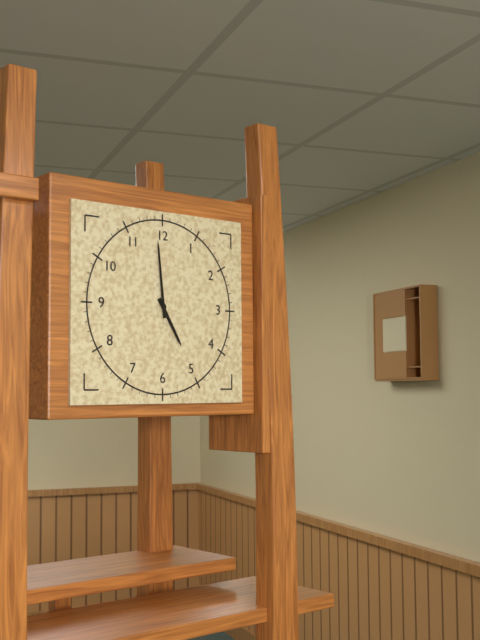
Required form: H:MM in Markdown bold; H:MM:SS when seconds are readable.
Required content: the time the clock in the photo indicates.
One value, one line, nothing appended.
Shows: **4:59**
